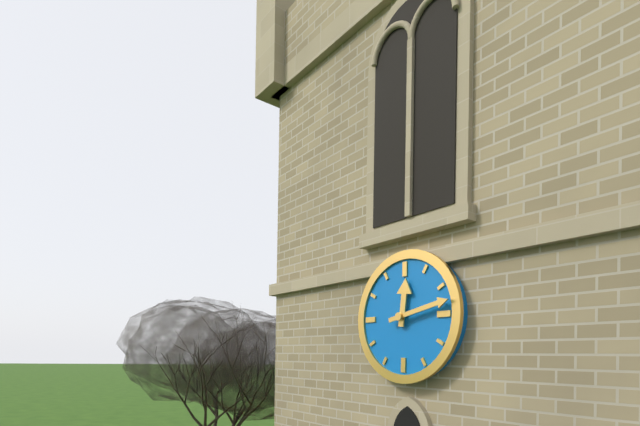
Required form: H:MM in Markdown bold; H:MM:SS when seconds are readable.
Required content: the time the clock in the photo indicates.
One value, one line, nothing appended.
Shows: **12:13**
